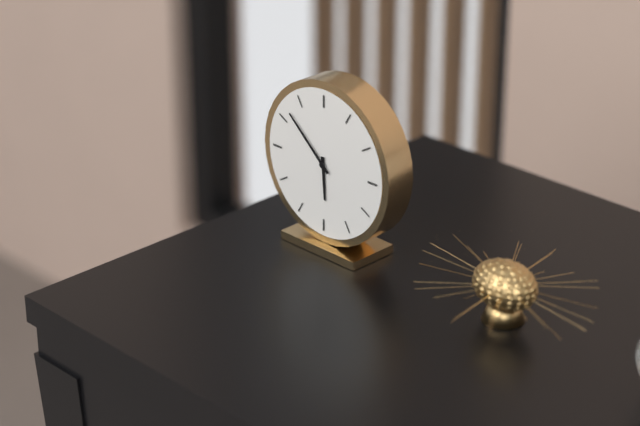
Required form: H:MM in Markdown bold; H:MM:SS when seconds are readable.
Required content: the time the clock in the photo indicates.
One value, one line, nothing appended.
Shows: **5:52**
